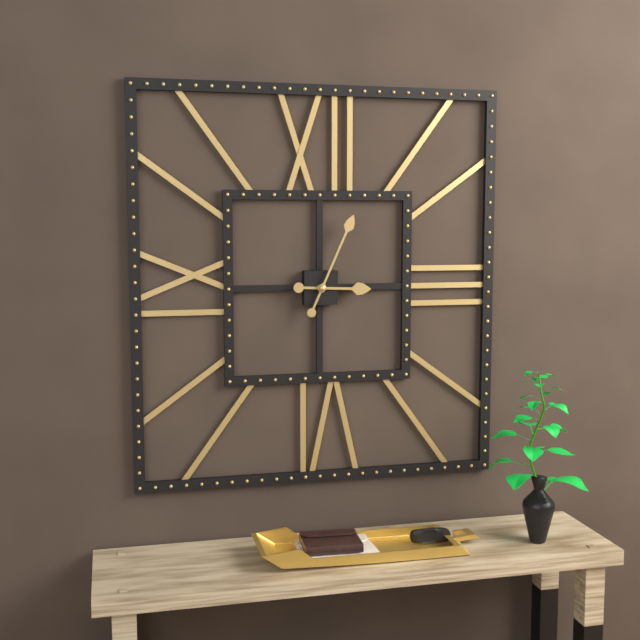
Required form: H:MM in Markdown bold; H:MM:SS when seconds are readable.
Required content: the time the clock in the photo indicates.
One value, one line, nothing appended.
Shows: **3:04**
